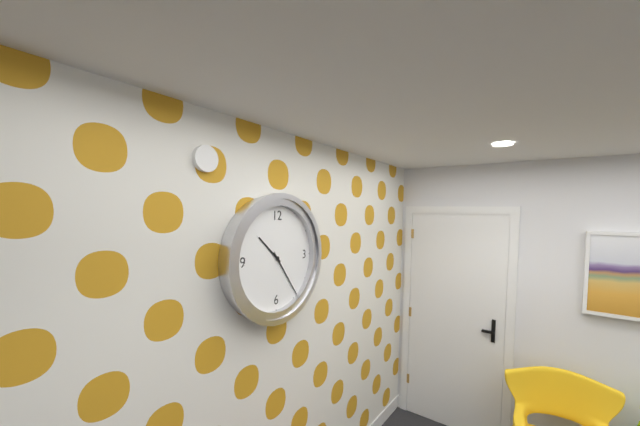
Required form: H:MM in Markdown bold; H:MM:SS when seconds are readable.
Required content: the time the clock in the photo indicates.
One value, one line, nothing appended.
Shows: **10:24**
